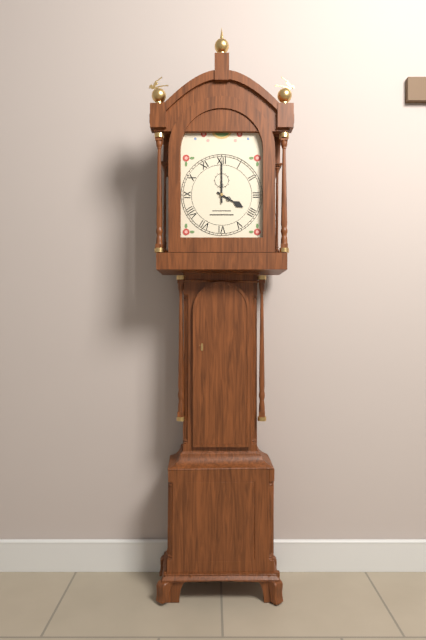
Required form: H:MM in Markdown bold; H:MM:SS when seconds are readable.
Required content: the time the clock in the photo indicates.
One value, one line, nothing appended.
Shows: **4:00**
